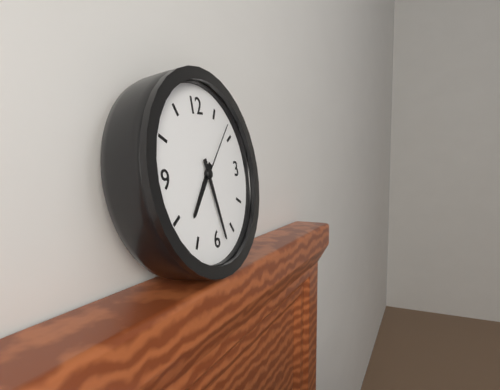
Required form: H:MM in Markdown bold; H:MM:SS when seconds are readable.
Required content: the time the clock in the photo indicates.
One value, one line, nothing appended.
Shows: **7:28:08**
